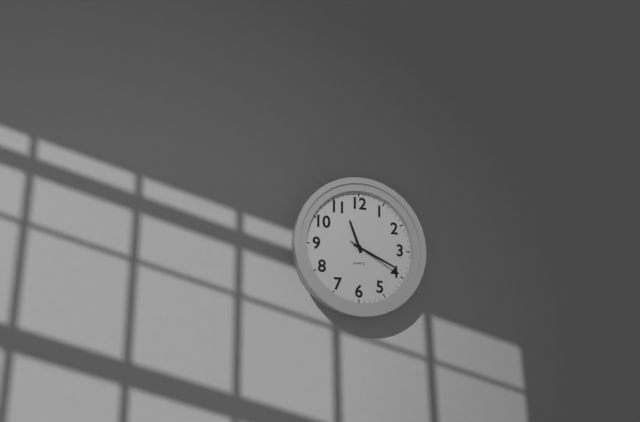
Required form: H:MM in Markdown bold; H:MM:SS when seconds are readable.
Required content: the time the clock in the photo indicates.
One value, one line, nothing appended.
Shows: **11:19:20**
